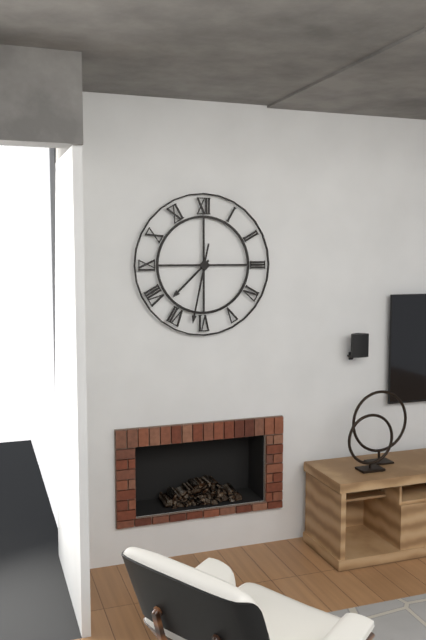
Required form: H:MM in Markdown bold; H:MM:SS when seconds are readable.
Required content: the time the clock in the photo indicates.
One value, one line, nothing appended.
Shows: **7:32**
